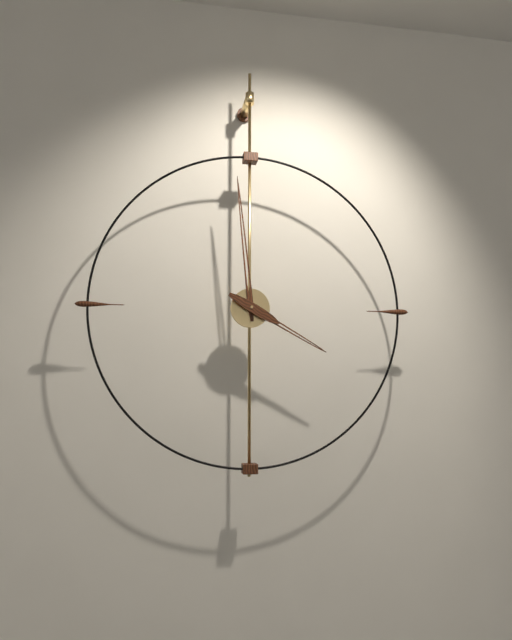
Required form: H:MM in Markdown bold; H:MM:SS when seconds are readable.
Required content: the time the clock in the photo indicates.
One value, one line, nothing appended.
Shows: **3:59**
